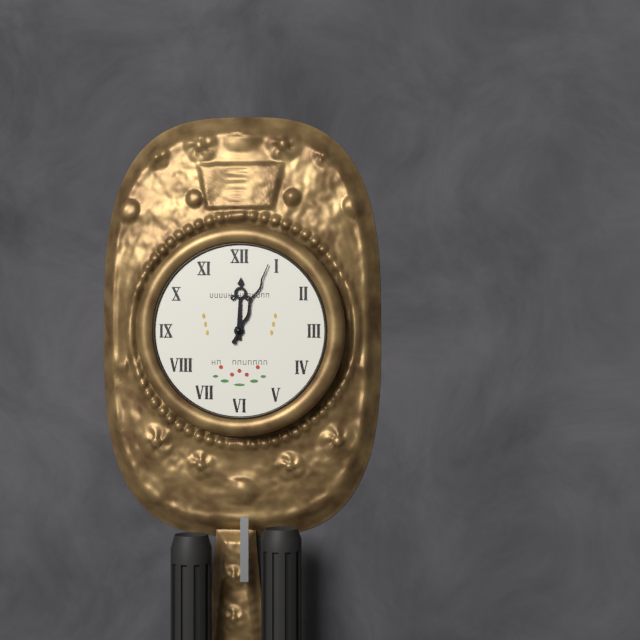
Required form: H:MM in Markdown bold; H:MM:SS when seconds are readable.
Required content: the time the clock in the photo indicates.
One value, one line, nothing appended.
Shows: **12:04**
